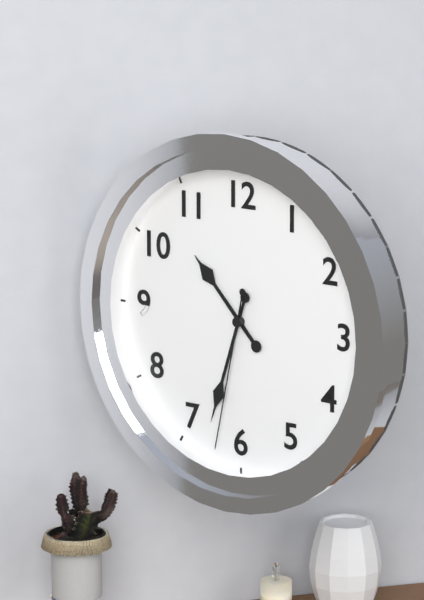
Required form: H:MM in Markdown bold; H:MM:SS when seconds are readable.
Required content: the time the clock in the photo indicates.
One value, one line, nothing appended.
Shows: **10:33:32**
